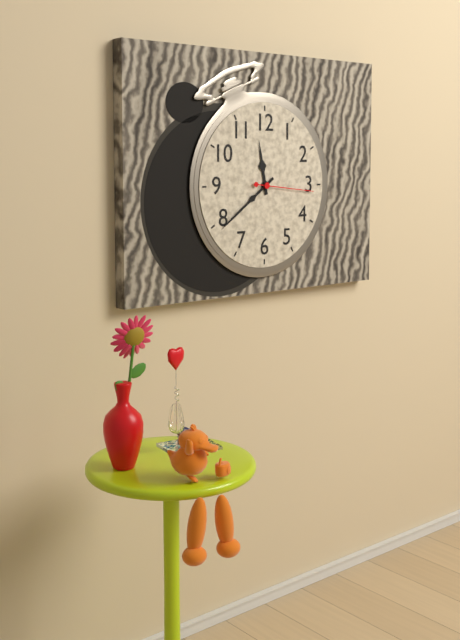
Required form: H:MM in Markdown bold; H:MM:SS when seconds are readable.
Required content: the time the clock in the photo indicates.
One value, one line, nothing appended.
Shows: **11:39:16**
